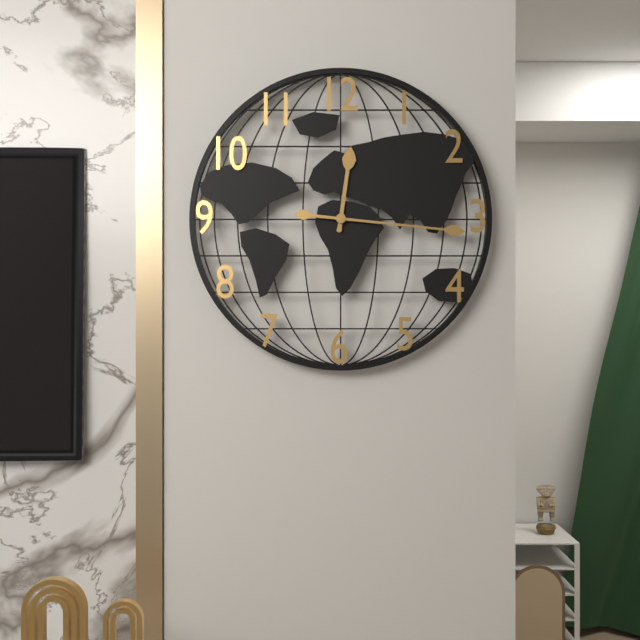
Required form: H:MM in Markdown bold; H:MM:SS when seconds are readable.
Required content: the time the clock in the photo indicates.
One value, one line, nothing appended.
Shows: **12:16**
